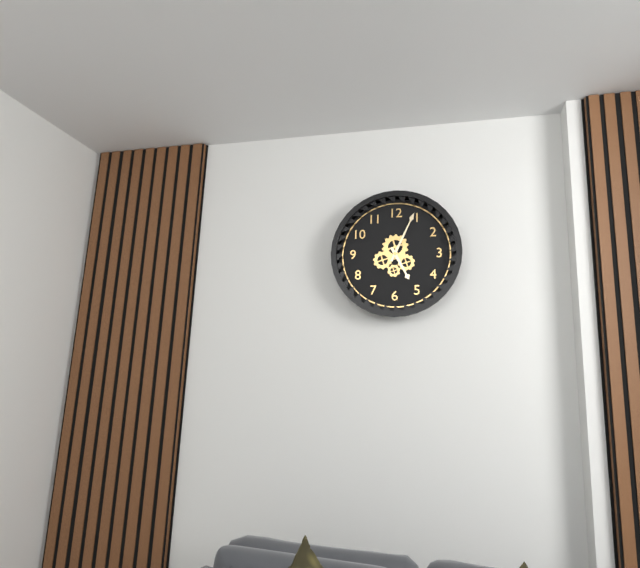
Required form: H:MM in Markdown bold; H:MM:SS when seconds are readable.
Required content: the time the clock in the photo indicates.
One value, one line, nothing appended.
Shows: **5:04**
